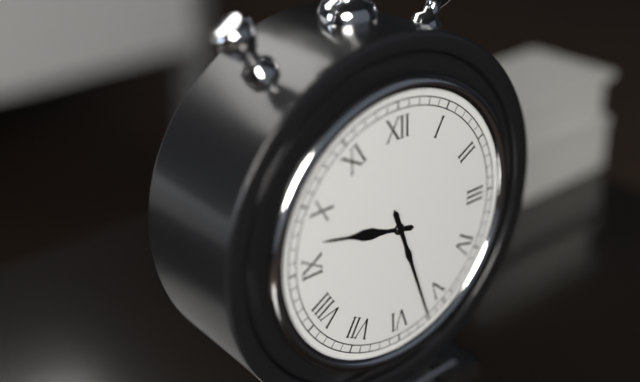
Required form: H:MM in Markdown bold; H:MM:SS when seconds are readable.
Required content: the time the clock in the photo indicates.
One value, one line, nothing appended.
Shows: **9:27**
